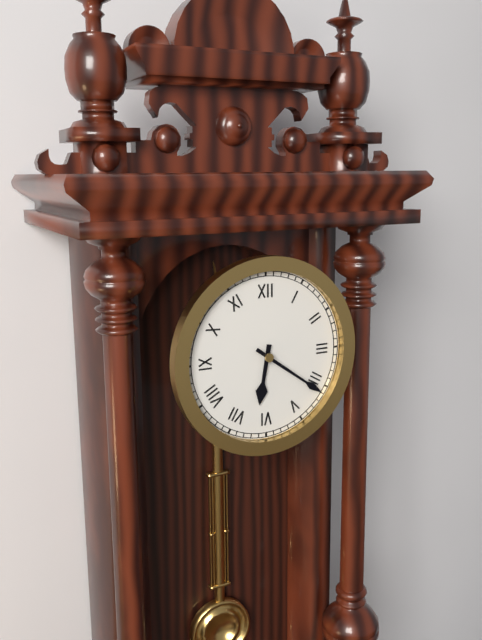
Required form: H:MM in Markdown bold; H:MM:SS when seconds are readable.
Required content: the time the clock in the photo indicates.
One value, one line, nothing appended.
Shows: **6:21**
